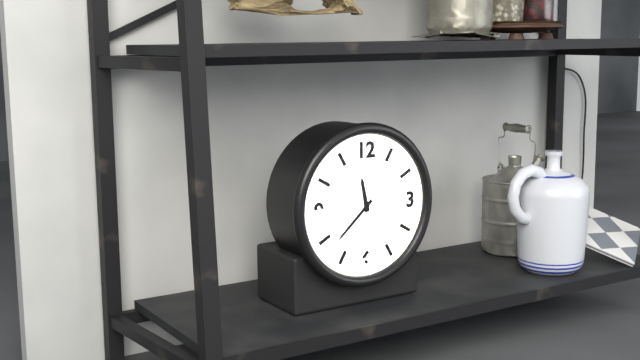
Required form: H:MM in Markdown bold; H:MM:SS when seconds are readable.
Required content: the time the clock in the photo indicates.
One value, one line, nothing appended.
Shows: **11:38**
